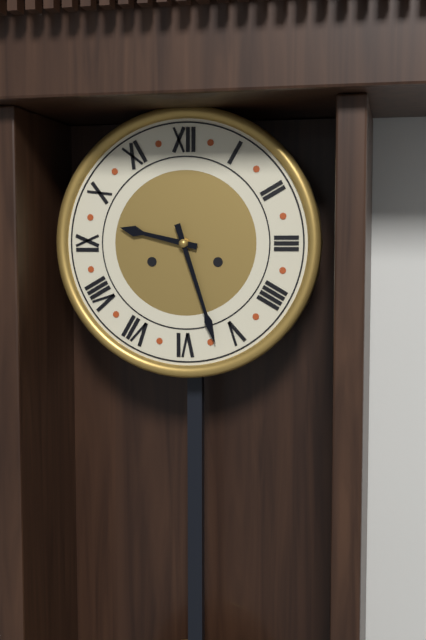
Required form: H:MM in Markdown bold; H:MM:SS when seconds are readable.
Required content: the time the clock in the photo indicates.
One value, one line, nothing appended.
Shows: **9:27**
